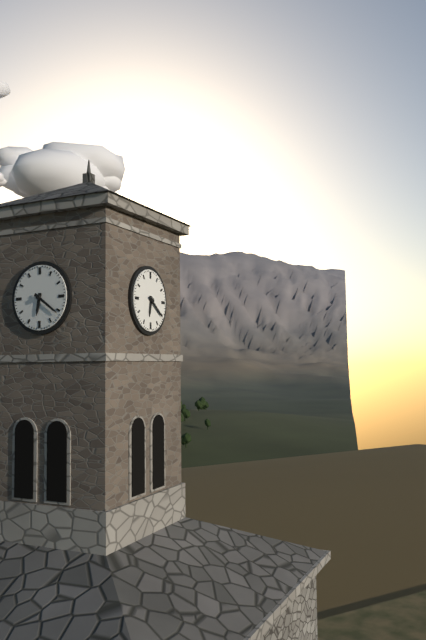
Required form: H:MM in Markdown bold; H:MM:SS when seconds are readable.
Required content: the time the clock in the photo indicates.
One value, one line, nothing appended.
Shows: **6:21**
